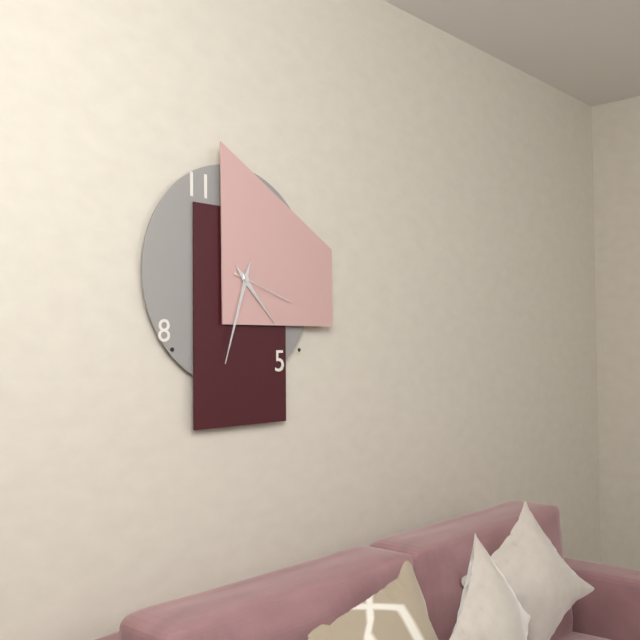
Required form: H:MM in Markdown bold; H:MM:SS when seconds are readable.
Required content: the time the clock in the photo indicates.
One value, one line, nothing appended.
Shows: **4:33:18**
